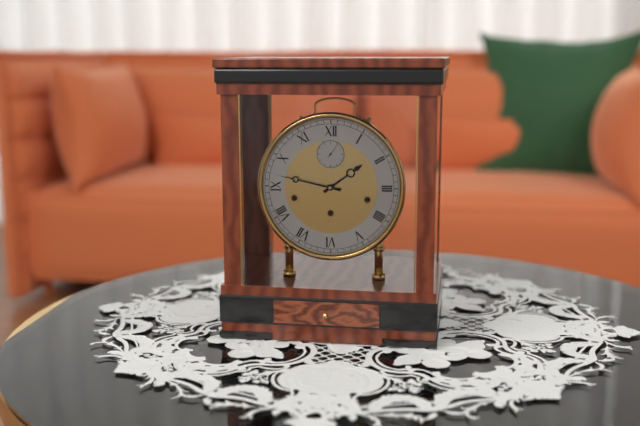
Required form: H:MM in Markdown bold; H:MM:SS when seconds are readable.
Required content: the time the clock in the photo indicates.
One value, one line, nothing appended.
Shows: **1:47**
